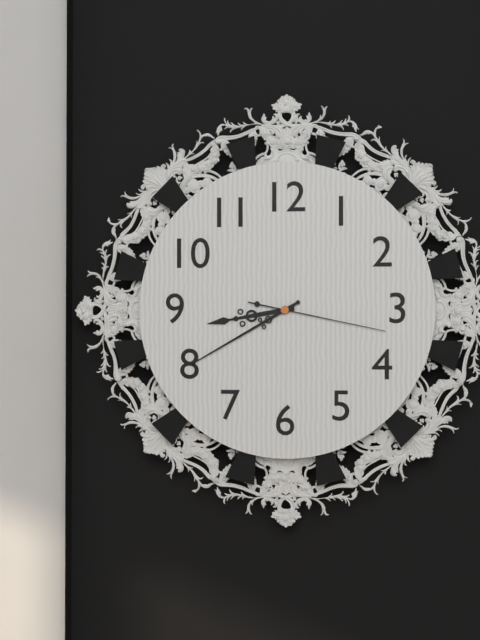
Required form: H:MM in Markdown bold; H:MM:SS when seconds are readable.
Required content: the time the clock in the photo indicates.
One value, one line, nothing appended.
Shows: **8:40:17**
